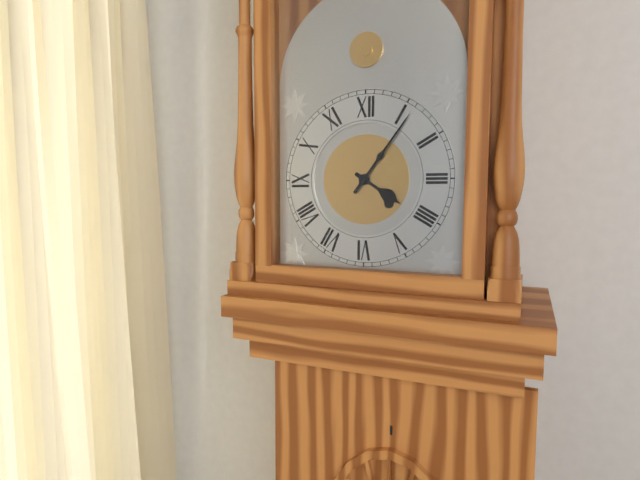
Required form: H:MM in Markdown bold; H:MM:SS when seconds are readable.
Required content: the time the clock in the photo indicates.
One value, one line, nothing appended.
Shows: **4:06**
